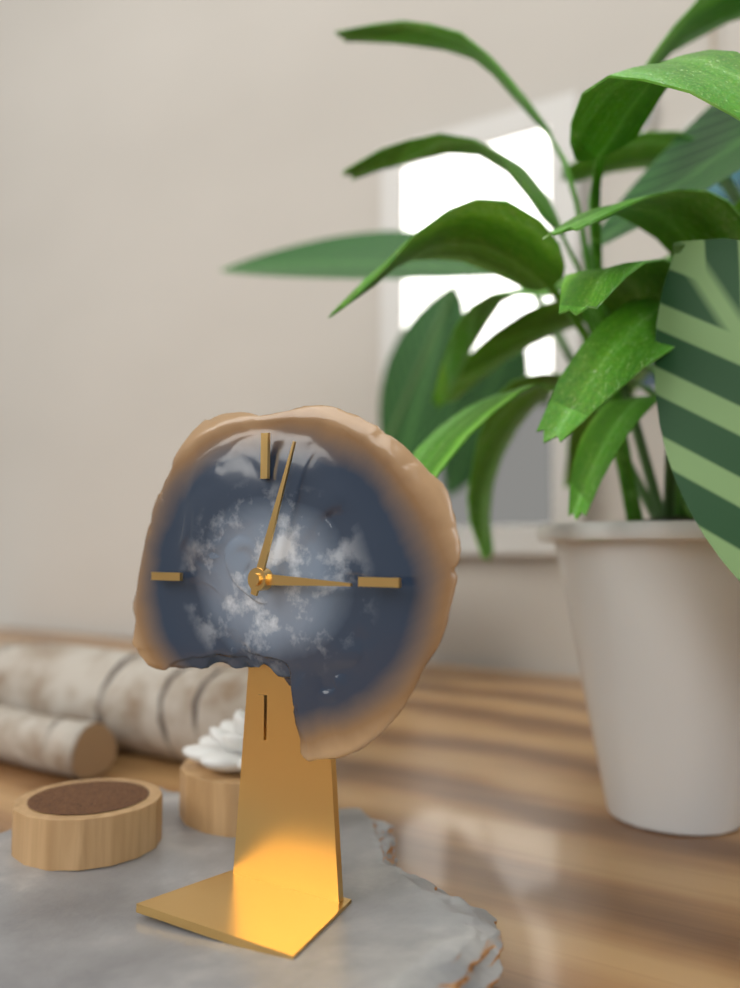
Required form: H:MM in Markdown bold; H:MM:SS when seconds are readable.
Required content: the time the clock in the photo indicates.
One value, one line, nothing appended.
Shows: **3:03**
